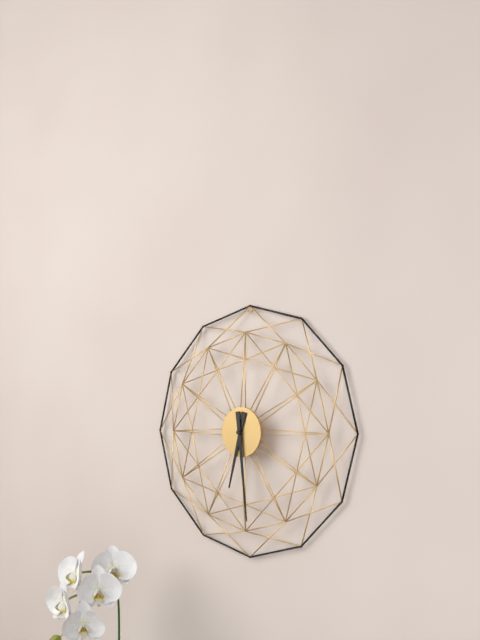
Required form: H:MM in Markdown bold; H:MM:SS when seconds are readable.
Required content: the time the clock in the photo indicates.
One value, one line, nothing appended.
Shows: **6:29**
